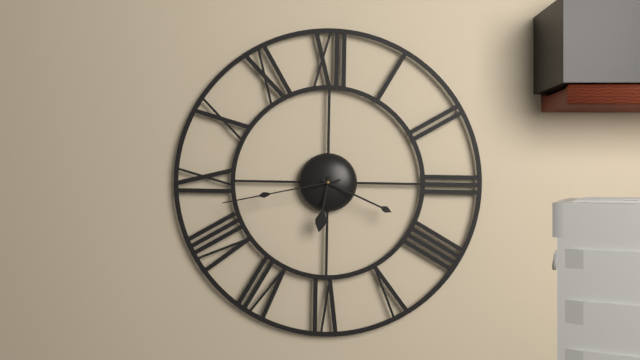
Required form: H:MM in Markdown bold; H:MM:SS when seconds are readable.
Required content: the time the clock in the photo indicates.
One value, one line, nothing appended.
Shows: **6:19:43**
